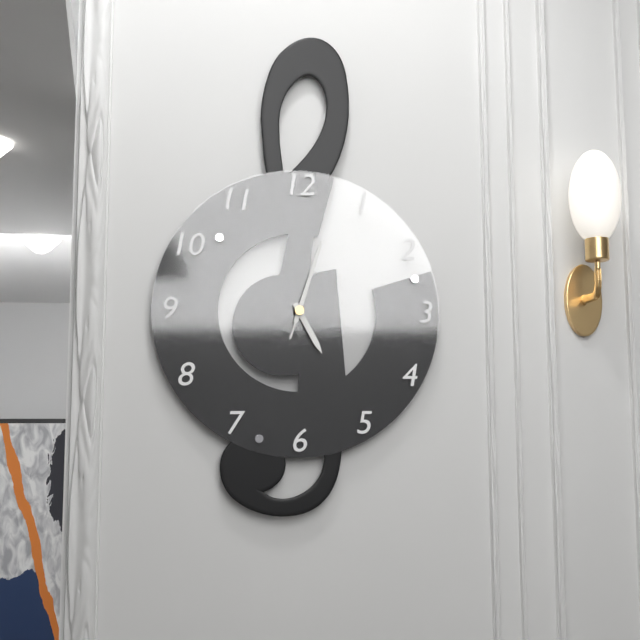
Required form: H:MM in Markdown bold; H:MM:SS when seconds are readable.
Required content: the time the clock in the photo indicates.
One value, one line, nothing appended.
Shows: **5:03:03**
